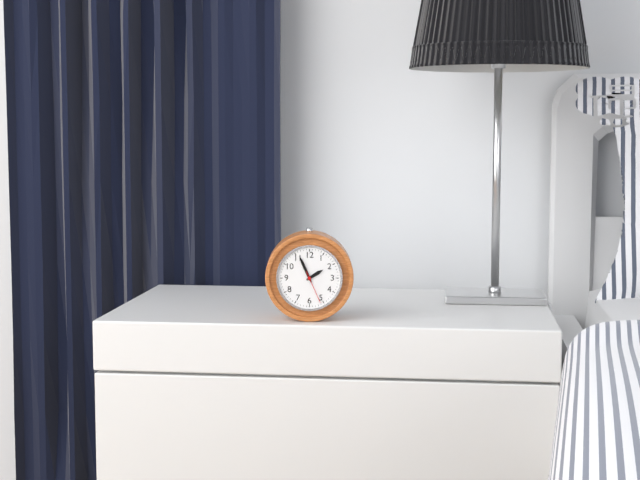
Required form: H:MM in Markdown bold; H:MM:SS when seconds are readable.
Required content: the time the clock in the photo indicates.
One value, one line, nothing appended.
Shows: **1:56**
